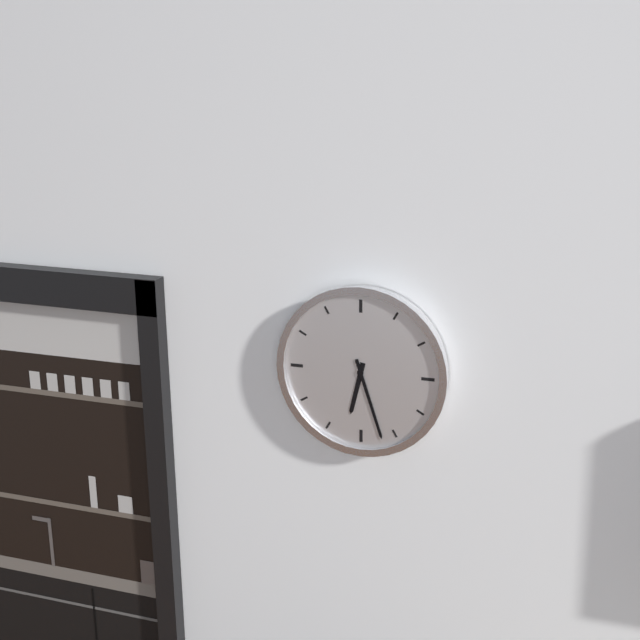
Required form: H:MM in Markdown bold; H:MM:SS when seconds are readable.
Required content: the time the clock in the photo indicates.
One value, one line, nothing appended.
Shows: **6:27**
